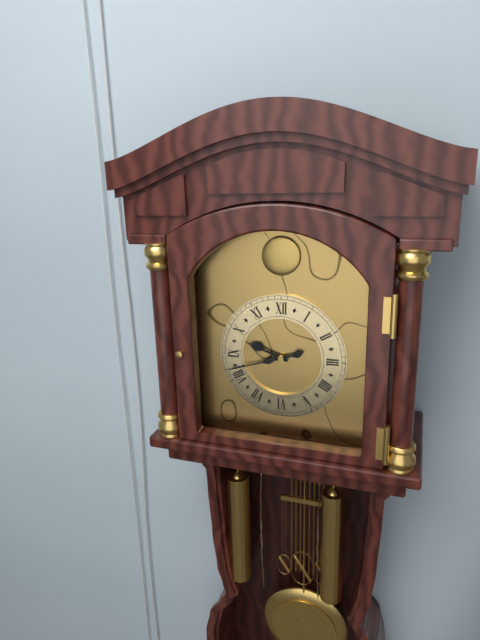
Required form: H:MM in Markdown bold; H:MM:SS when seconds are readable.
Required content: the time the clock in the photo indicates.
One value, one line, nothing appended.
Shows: **9:42**
